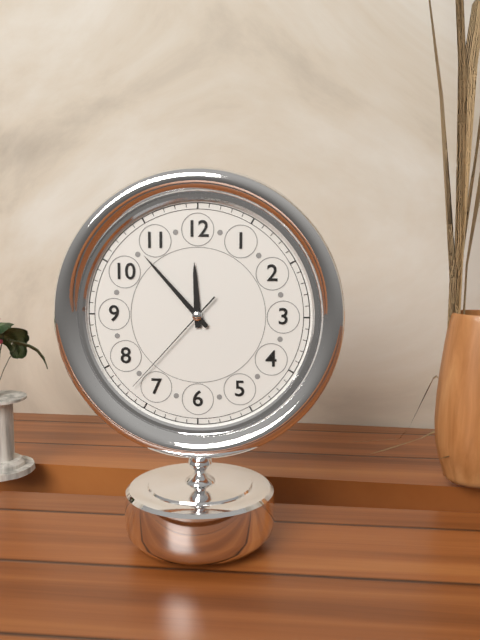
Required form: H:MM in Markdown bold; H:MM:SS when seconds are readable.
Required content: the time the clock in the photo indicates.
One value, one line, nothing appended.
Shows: **11:53:37**
